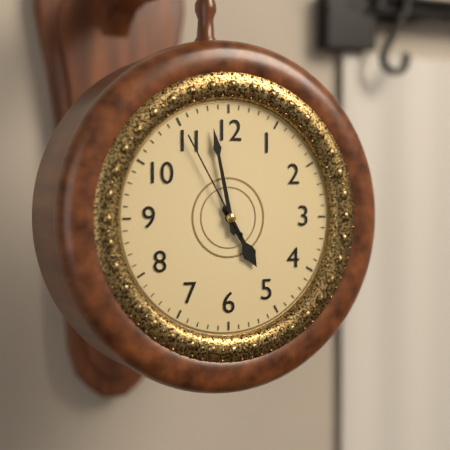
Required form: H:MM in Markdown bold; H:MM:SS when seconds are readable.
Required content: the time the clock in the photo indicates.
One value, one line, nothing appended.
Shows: **4:58:55**
